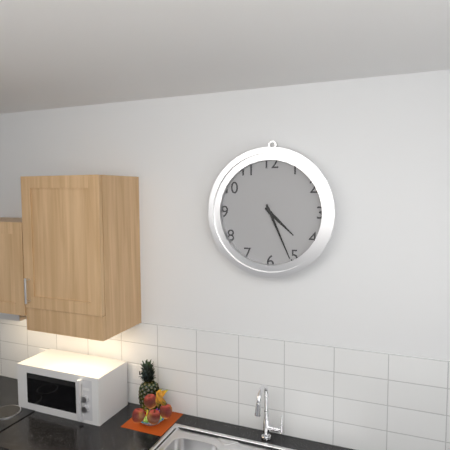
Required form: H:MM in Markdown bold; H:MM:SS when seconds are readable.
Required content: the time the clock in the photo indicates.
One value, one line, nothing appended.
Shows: **4:26**
